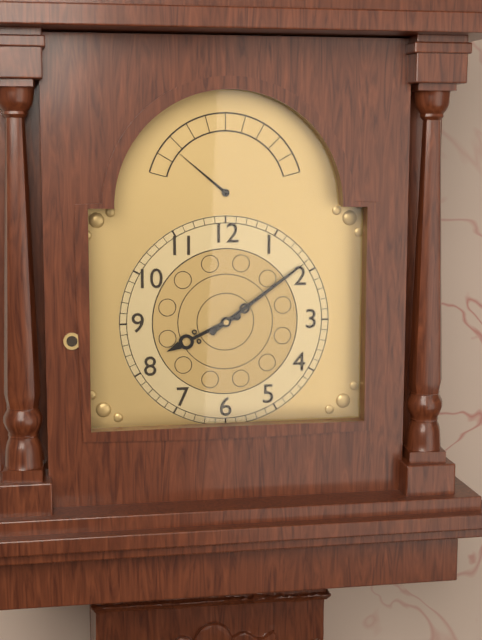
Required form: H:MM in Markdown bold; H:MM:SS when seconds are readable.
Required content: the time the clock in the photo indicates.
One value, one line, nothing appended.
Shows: **8:09**
